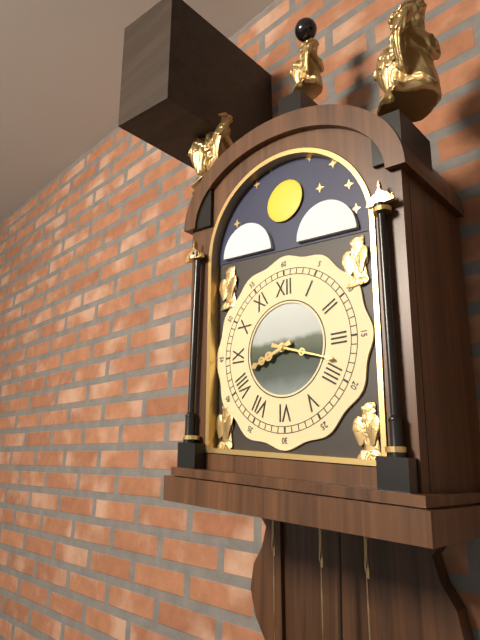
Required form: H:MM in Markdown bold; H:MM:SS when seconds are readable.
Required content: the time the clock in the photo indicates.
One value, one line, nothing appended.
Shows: **8:18**
